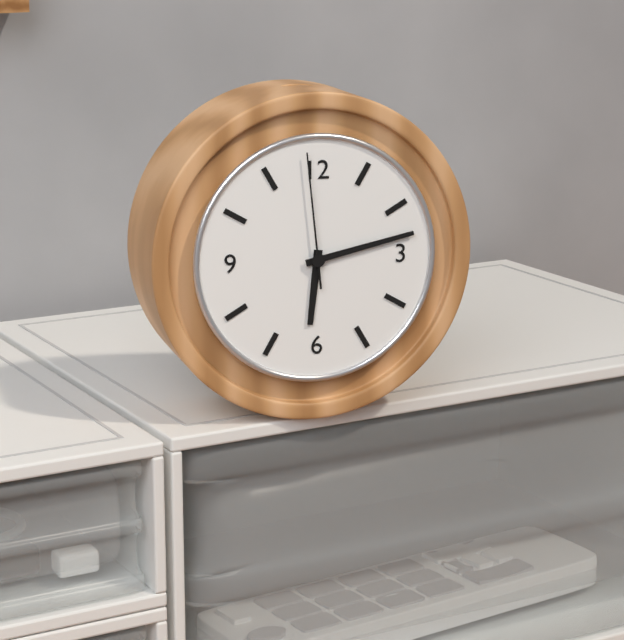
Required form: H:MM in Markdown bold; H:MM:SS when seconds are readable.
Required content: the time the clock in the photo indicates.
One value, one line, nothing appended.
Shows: **6:13:59**
